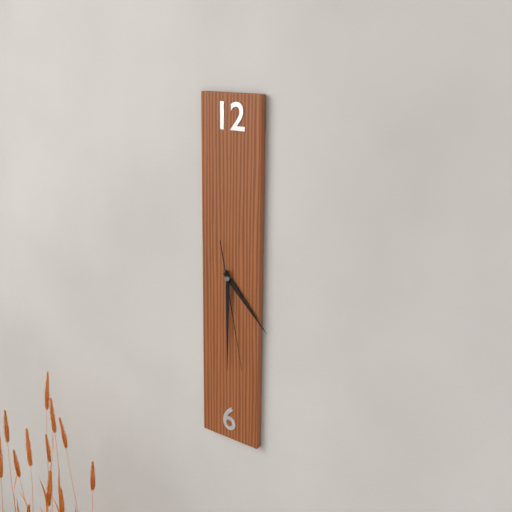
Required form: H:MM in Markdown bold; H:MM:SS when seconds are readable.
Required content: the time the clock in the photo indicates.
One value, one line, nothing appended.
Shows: **4:30:28**
